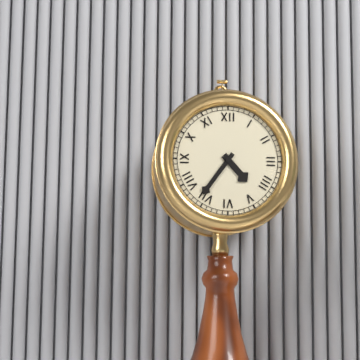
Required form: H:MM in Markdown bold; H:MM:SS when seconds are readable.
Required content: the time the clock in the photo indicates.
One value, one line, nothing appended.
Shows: **4:36**
